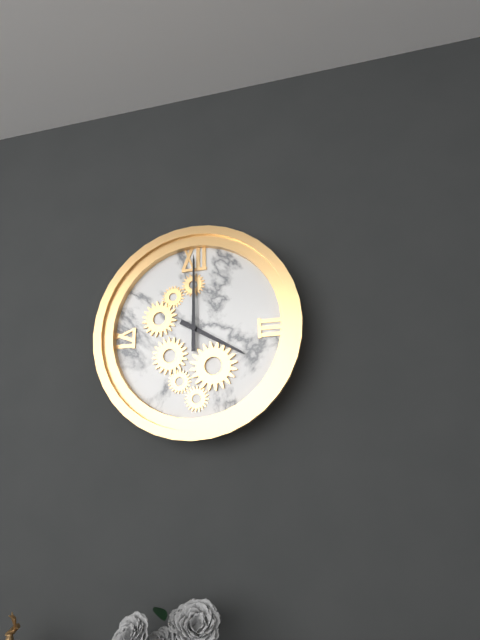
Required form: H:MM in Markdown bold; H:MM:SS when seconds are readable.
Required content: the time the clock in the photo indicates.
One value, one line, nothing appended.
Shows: **4:00**
